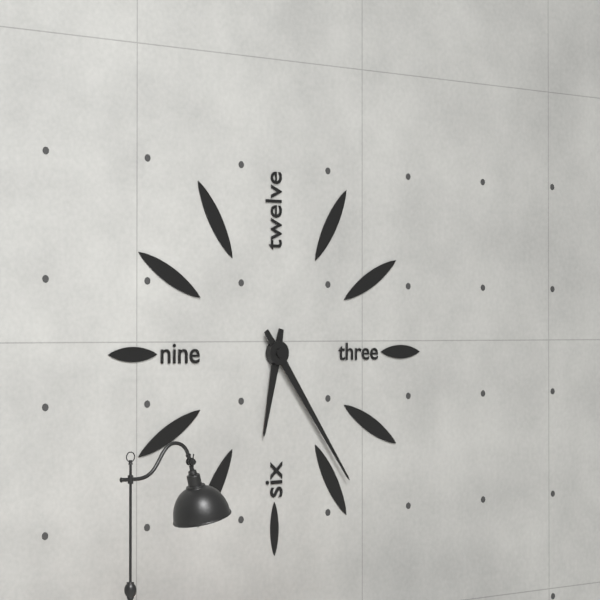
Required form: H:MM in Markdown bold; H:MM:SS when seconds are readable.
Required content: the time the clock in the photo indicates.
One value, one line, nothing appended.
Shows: **6:24**
